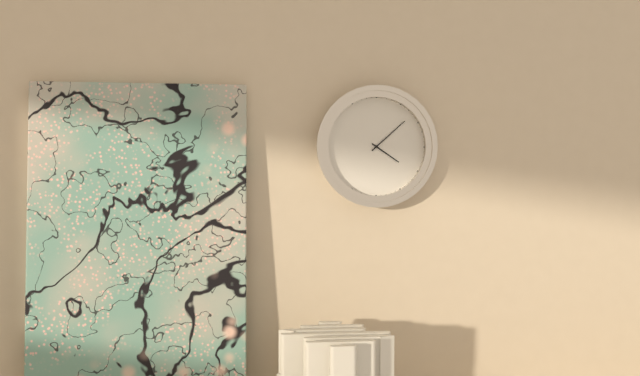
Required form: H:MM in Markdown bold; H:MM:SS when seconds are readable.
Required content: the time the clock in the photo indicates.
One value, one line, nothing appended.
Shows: **4:08**
